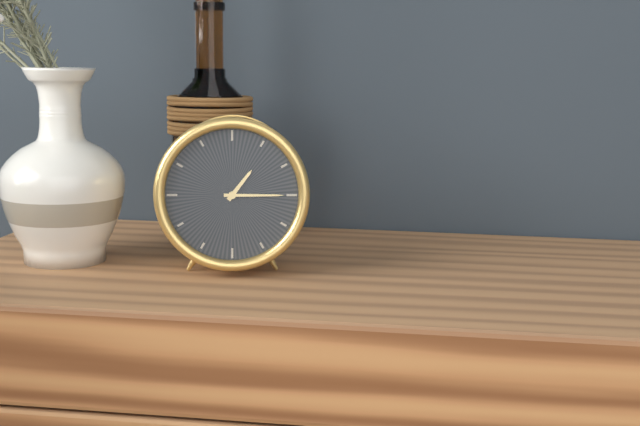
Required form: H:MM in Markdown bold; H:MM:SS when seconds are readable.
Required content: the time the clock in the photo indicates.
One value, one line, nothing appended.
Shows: **1:15**
